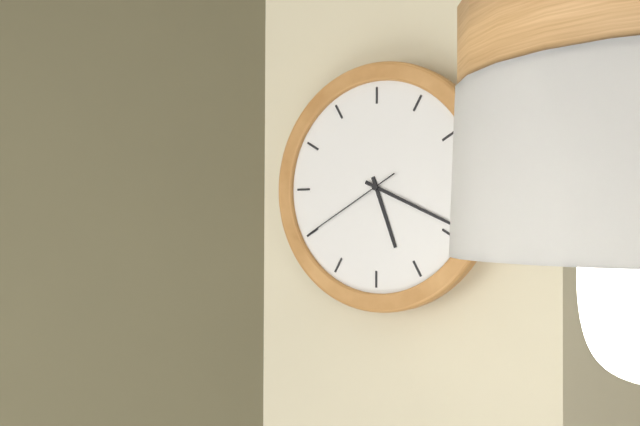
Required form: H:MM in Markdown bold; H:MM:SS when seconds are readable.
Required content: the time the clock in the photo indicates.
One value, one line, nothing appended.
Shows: **5:19:40**
